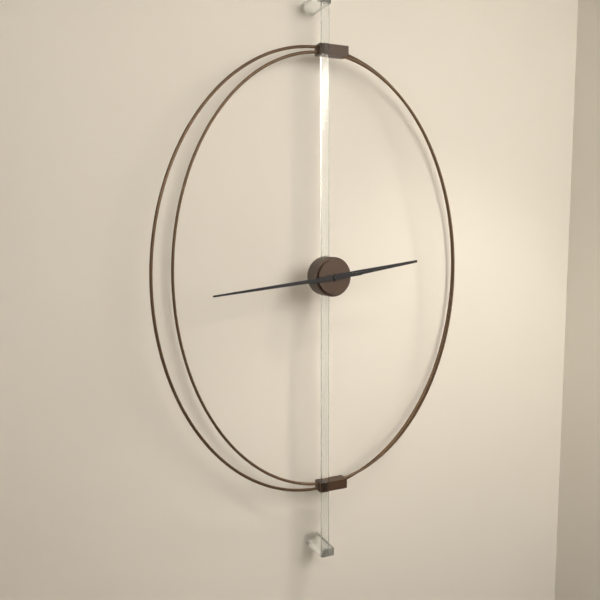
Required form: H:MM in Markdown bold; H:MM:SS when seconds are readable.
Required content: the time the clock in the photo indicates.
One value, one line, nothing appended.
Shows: **2:44**
